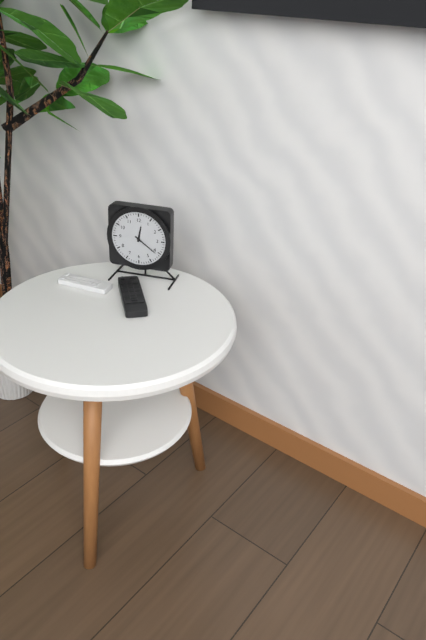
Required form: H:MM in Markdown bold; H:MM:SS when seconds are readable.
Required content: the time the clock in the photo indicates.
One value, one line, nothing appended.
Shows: **12:21**
